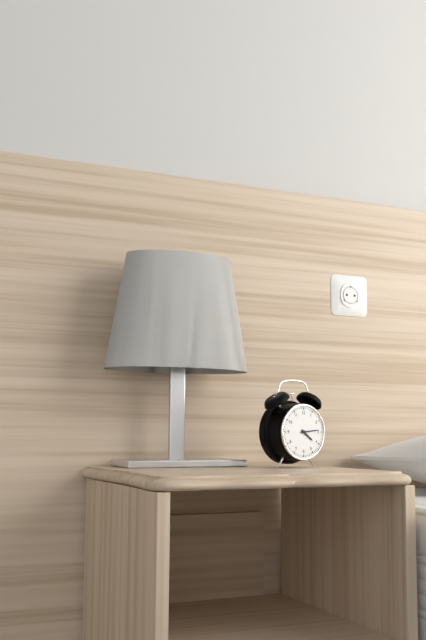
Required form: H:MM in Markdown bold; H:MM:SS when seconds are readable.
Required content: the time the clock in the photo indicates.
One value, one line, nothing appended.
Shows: **4:14**
